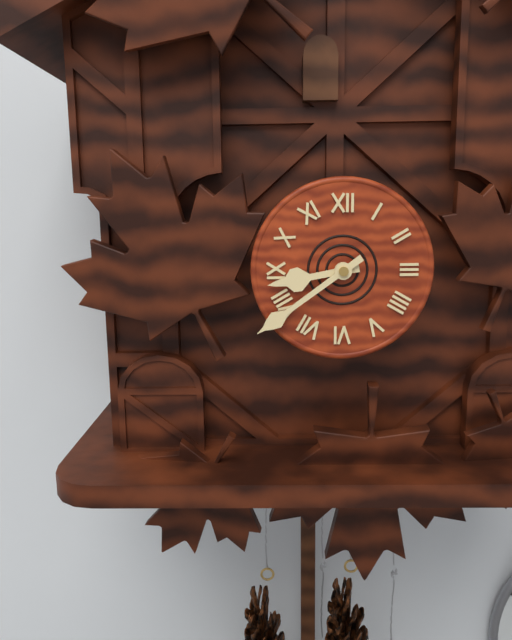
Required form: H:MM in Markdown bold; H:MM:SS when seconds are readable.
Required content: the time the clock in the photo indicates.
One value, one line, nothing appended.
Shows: **8:39**
